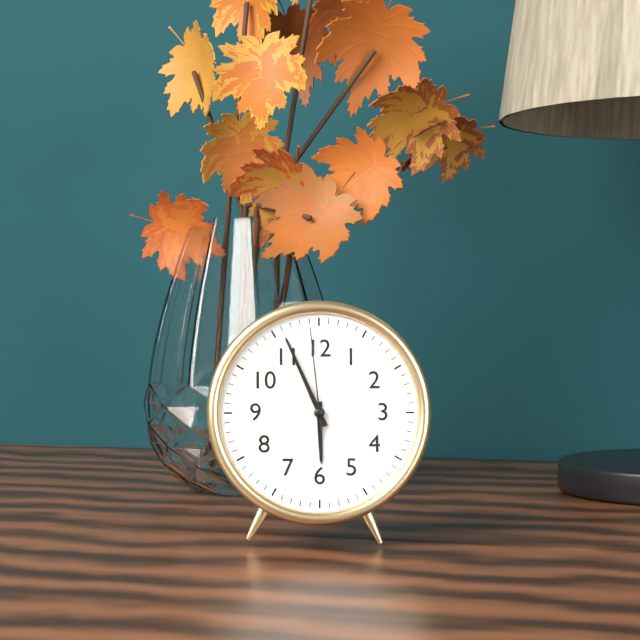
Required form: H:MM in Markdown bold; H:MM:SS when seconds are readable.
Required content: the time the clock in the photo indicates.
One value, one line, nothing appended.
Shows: **5:56:59**
